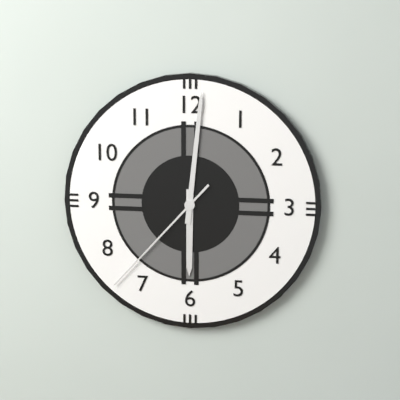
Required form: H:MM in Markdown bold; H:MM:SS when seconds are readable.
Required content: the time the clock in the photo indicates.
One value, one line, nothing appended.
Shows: **6:01:37**
